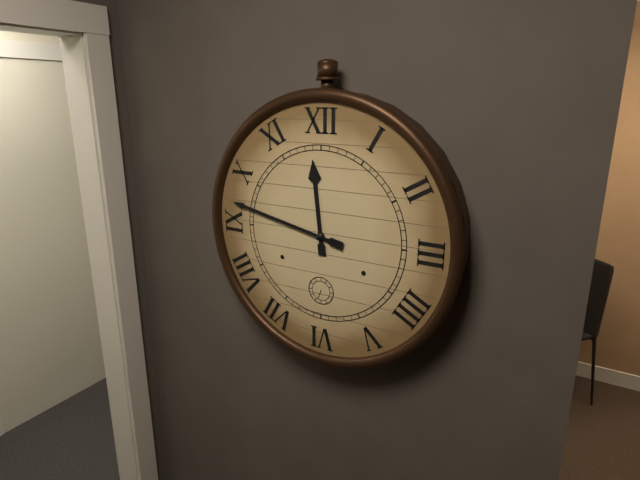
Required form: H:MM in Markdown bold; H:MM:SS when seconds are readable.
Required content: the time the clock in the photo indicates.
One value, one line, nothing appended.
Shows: **11:47**
